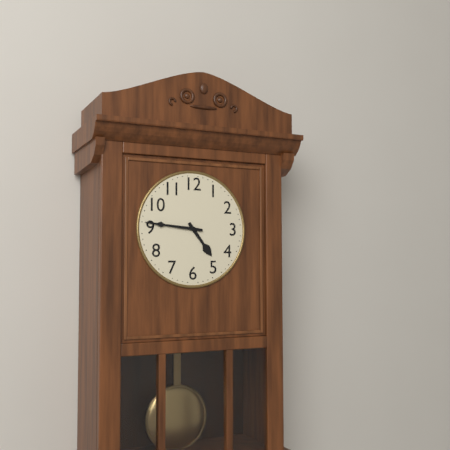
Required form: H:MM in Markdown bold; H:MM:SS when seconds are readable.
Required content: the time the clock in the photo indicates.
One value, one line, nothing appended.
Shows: **4:46**
